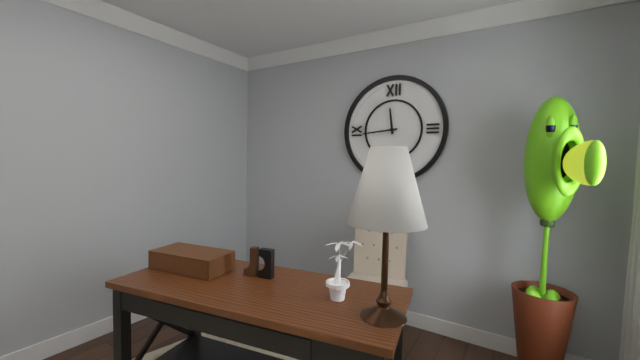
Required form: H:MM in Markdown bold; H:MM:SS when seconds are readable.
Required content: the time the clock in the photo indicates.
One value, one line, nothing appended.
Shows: **11:44**
